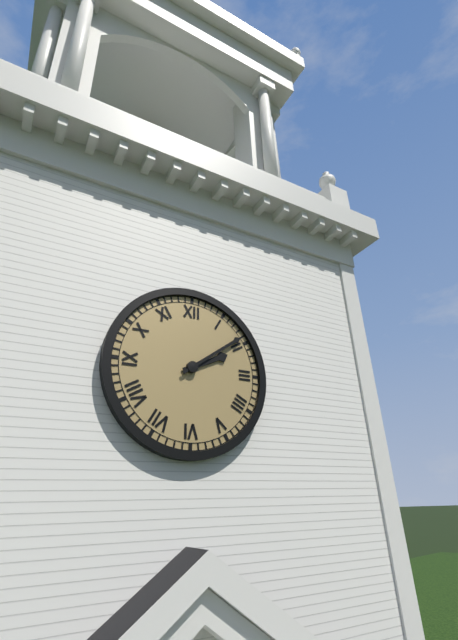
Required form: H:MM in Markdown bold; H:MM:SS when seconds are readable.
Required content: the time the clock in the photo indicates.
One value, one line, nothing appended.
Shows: **2:09**
